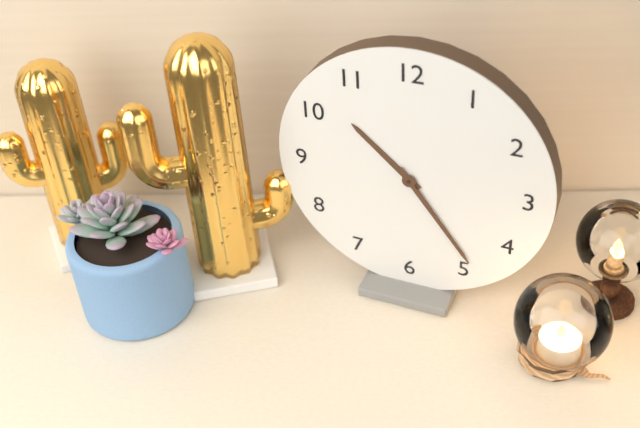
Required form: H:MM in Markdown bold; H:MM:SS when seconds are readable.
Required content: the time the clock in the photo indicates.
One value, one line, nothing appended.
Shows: **10:24**
